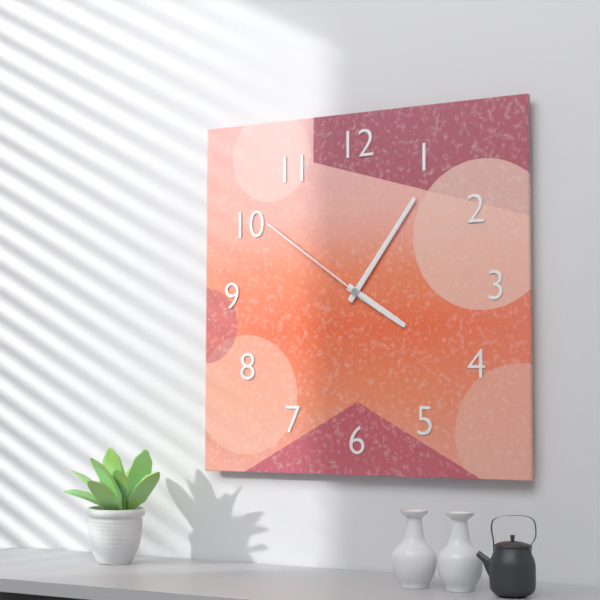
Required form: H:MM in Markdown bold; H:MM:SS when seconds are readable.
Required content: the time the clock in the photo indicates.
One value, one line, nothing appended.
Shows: **4:06:51**
